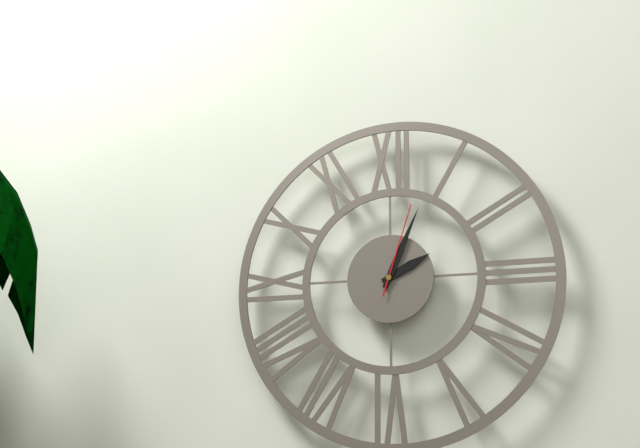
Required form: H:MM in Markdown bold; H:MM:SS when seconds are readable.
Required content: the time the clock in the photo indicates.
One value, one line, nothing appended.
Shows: **2:04:03**
